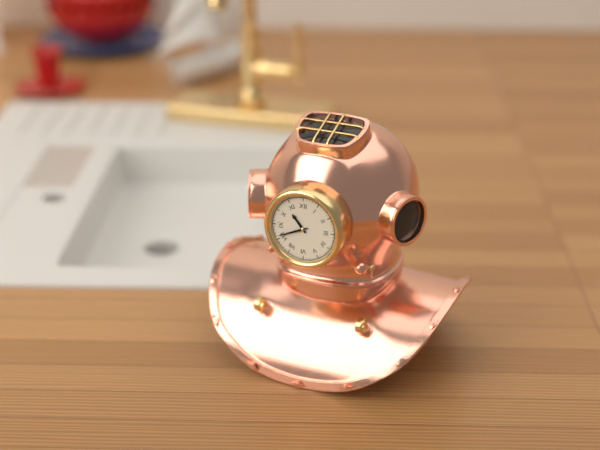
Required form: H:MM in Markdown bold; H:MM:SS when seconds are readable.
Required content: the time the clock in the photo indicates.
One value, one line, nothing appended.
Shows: **10:41**
